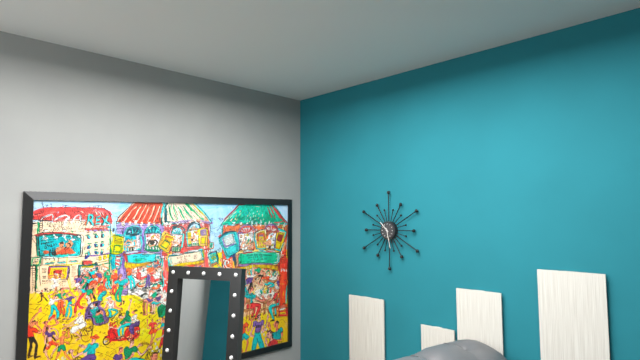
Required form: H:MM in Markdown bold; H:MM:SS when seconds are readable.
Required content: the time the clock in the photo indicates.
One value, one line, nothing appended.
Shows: **10:28**
